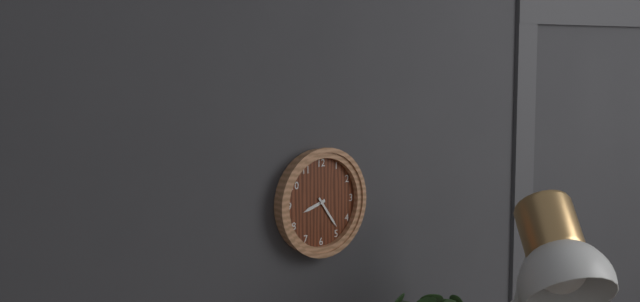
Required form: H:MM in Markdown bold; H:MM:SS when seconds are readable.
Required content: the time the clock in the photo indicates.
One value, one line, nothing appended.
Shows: **8:24**
